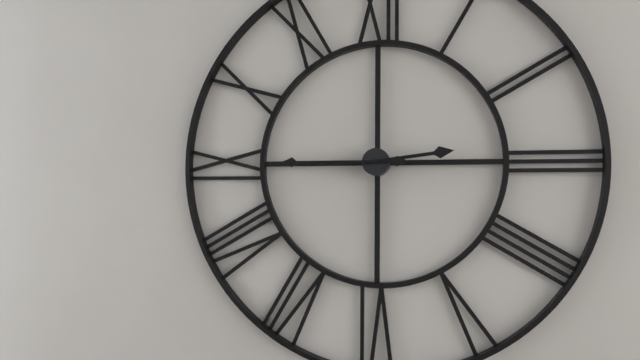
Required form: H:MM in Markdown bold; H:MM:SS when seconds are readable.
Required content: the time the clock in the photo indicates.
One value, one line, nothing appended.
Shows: **2:45**
